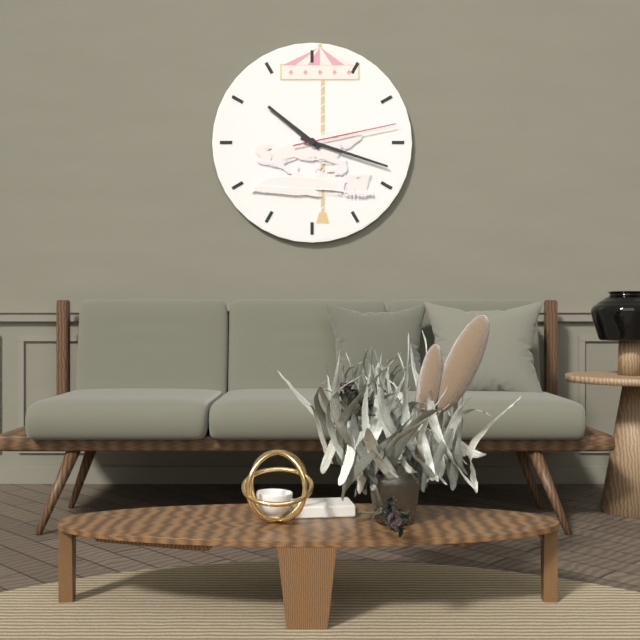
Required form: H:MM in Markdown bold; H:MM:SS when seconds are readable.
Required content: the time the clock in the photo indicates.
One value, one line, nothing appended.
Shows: **10:18:13**
